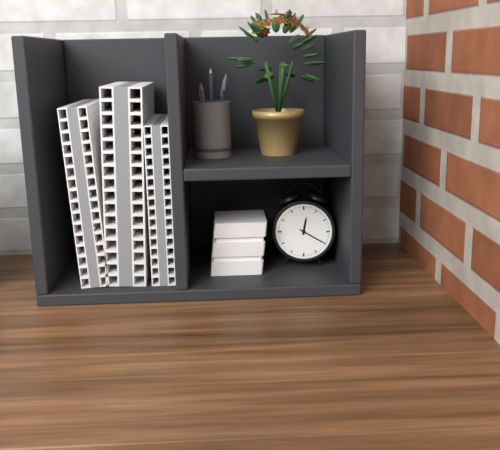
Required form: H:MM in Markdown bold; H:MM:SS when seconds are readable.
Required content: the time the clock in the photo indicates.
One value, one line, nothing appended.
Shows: **12:20**
